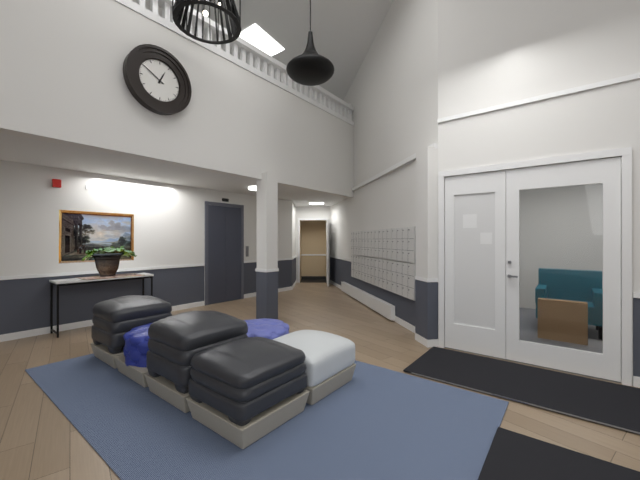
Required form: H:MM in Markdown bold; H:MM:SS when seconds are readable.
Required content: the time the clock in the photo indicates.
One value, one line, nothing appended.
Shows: **12:50**
